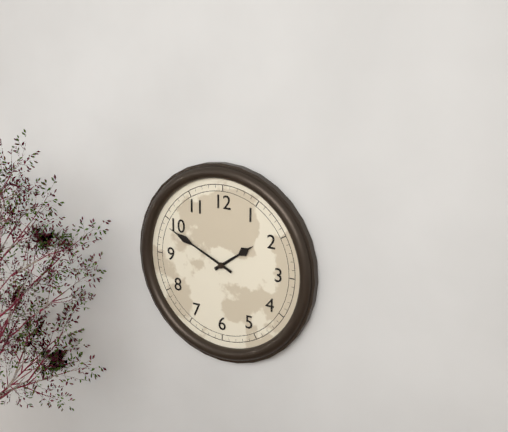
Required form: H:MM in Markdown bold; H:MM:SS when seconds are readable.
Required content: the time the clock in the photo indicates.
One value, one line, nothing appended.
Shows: **1:49**
